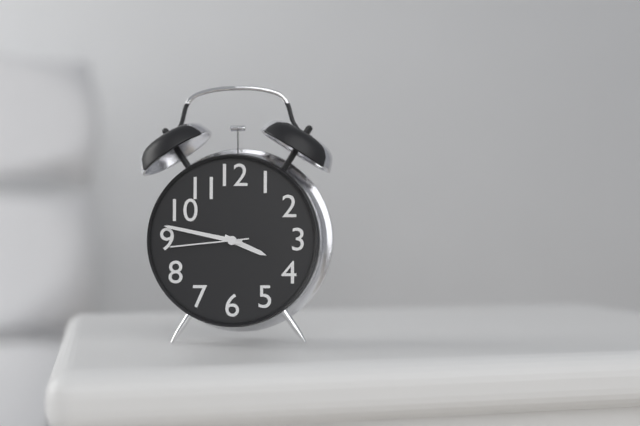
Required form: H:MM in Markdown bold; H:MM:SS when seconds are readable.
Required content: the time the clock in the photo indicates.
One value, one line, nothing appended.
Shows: **3:47:44**
